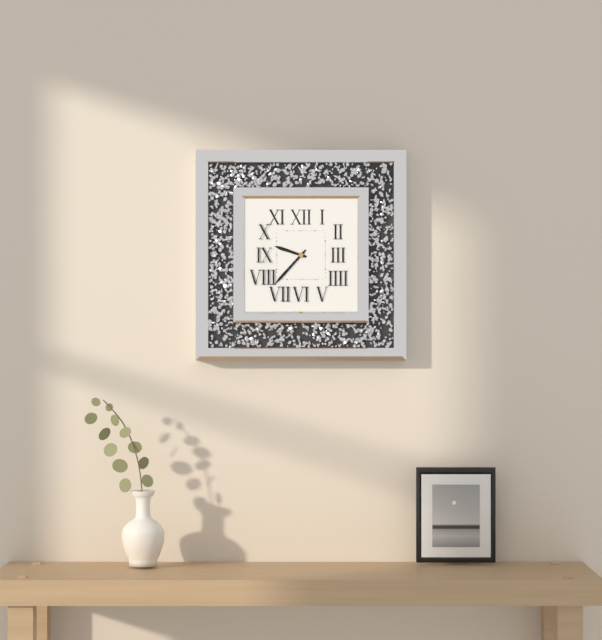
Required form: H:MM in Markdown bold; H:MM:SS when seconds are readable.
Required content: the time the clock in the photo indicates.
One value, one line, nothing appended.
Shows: **9:37**
